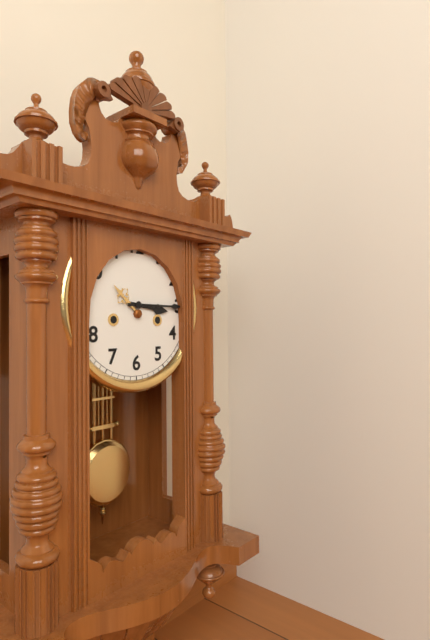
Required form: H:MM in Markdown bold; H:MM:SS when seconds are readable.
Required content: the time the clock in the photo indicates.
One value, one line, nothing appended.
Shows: **3:15**
